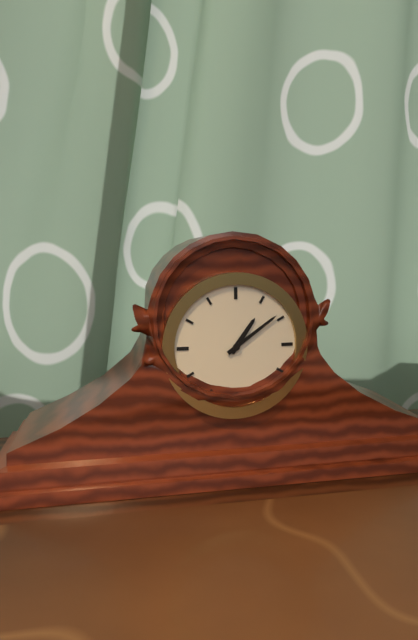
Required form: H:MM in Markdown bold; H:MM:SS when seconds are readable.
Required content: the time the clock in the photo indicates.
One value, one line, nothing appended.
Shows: **1:09**
